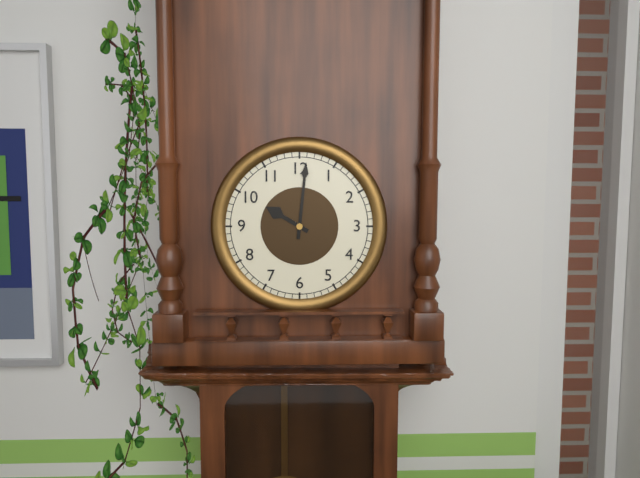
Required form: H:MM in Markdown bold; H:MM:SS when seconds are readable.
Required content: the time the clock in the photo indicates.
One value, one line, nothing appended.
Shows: **10:01**
